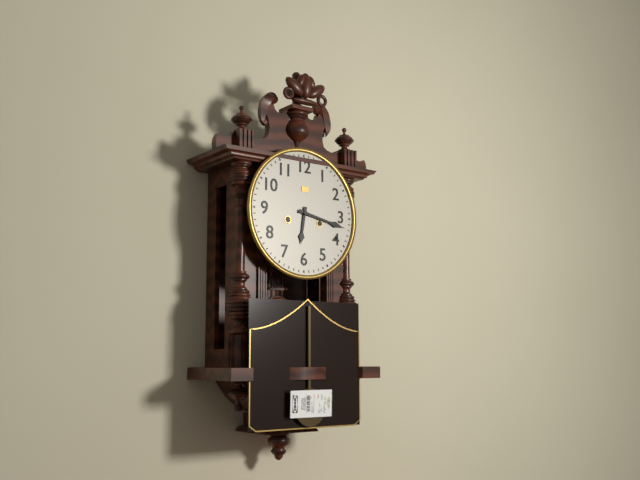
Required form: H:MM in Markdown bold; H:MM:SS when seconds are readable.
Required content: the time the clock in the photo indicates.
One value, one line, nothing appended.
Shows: **6:17**
